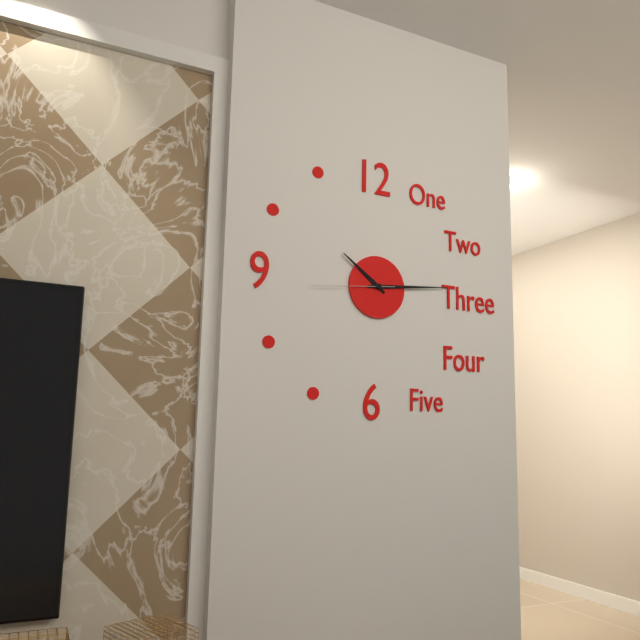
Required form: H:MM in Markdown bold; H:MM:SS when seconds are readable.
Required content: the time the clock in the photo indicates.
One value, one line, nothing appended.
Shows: **10:14:44**
